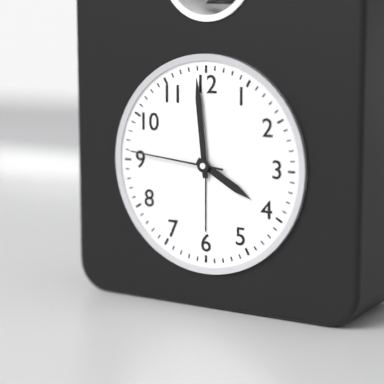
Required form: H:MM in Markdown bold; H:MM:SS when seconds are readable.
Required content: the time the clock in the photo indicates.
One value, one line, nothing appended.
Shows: **3:59:46**
